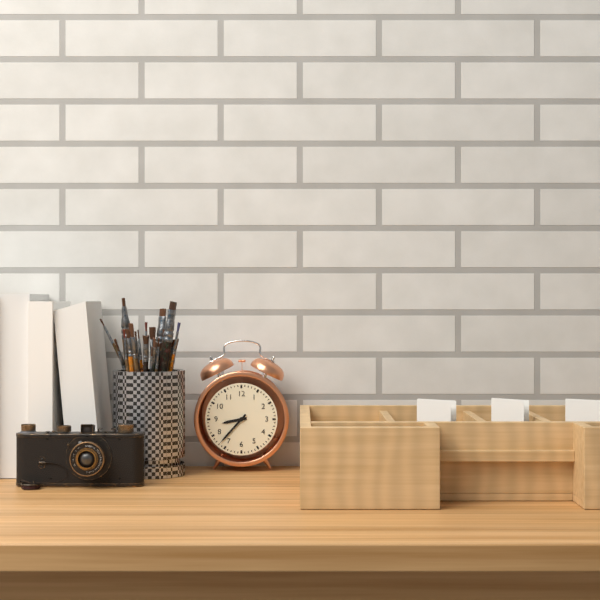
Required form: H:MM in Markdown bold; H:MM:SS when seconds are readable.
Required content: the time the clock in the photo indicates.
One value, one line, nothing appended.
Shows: **8:37**
